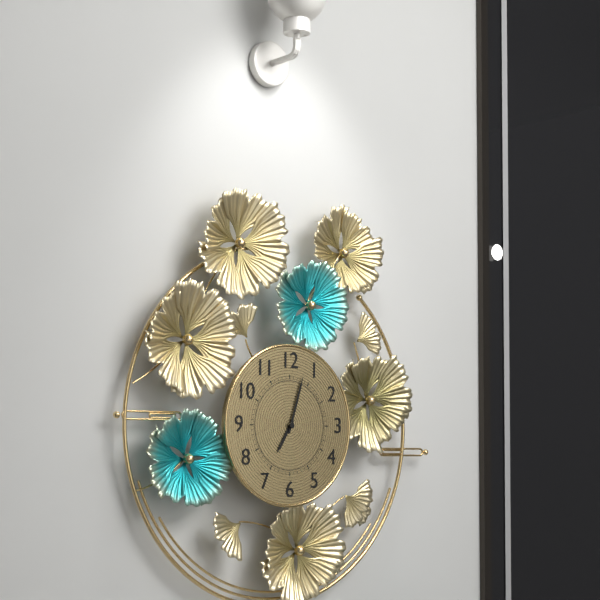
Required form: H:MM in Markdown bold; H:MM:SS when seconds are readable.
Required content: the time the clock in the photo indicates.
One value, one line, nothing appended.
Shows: **7:03**
